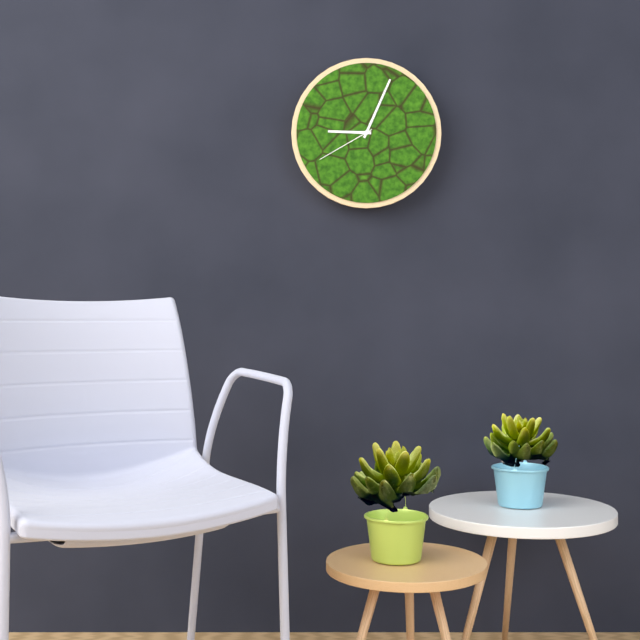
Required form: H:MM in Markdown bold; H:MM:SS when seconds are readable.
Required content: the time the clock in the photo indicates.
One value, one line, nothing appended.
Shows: **9:04:40**
